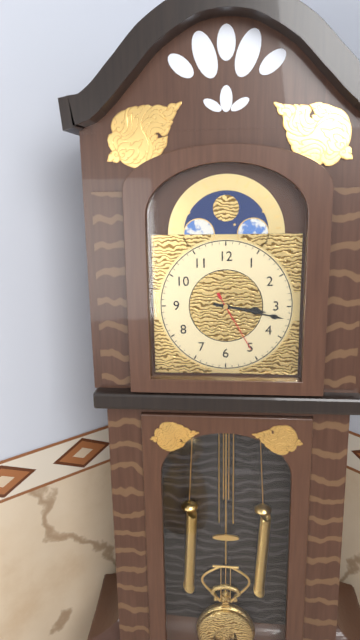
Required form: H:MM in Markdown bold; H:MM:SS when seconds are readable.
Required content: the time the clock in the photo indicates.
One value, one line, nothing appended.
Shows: **3:17:25**
